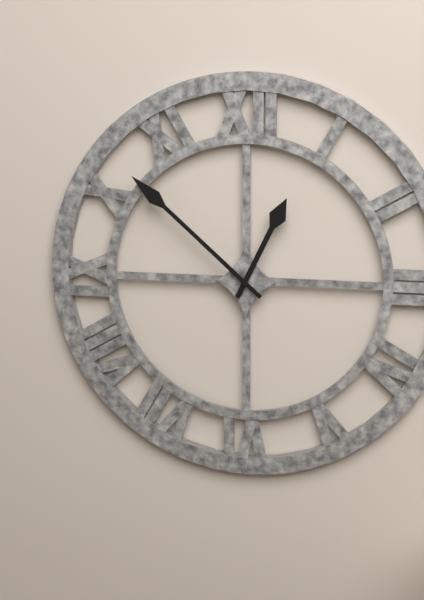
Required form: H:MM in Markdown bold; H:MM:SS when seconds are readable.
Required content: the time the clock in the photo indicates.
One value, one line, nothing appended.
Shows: **12:52**
